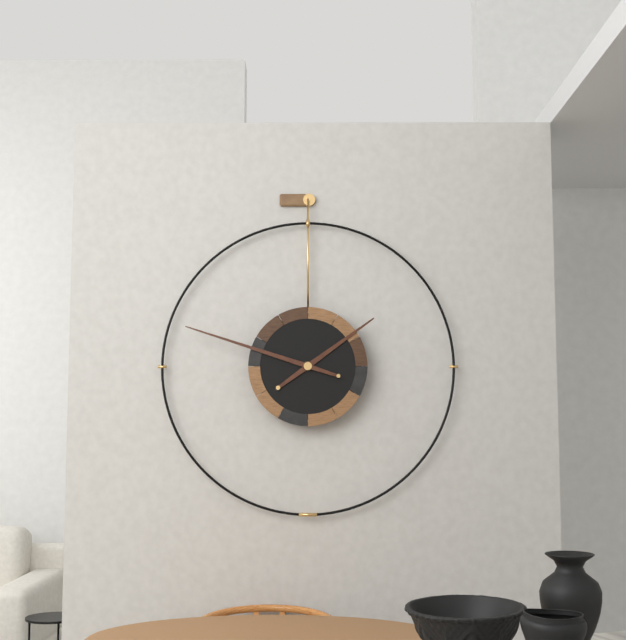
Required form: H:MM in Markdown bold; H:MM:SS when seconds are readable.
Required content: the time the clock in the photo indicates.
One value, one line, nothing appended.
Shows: **1:48**
